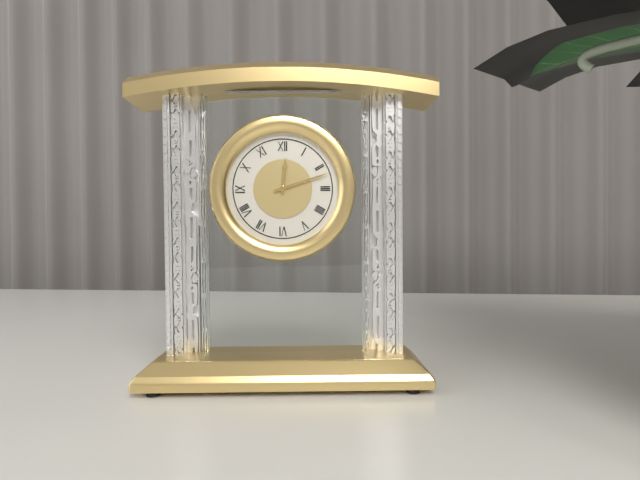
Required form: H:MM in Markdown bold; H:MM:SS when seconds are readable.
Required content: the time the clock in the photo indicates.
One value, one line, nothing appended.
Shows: **12:12**
